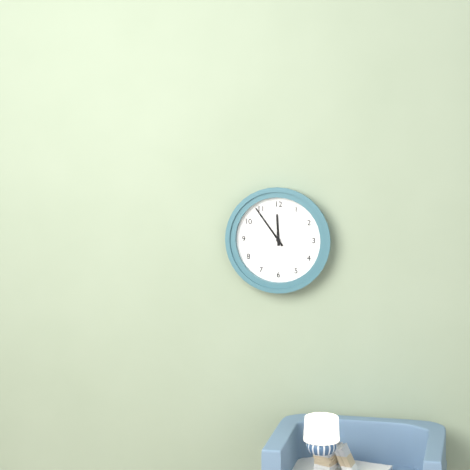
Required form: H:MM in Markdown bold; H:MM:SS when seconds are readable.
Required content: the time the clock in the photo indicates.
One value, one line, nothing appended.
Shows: **11:54**
